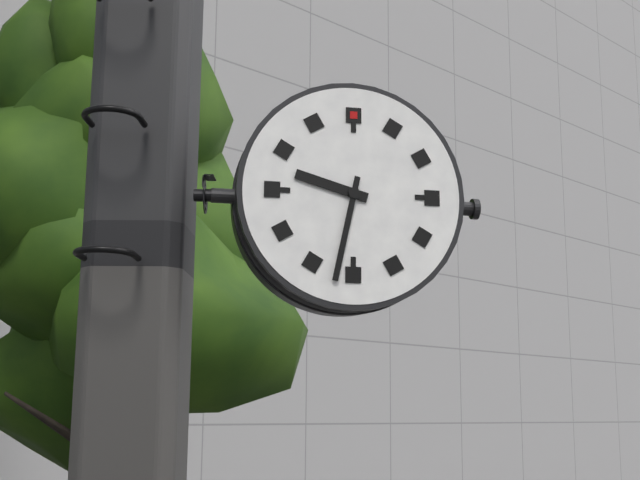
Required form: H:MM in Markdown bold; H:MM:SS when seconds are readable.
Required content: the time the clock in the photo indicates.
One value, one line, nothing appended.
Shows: **9:32**
